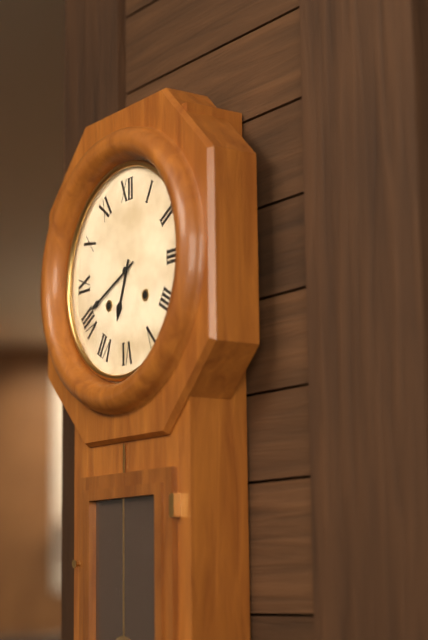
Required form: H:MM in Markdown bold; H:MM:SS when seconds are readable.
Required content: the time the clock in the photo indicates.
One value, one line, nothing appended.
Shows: **6:41**
